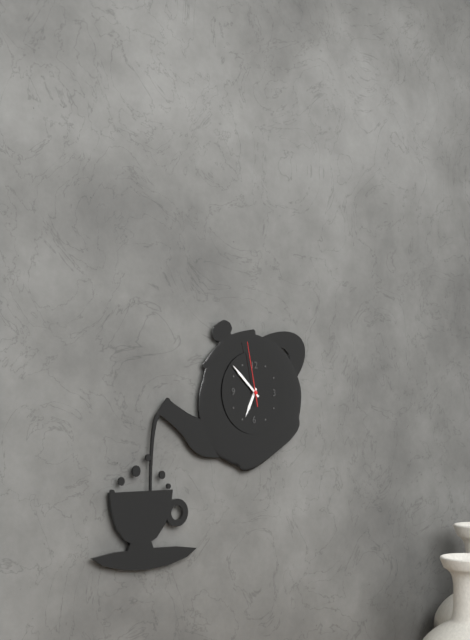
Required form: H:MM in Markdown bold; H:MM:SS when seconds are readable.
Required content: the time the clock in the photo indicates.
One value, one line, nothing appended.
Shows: **6:52:58**
